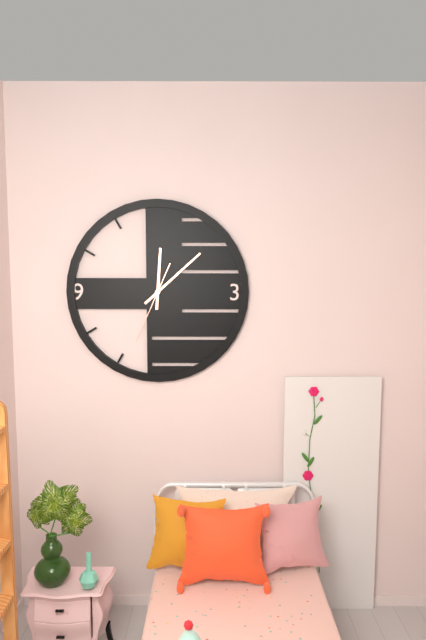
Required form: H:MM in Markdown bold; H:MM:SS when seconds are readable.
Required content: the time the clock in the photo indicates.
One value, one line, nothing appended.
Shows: **12:08:34**
